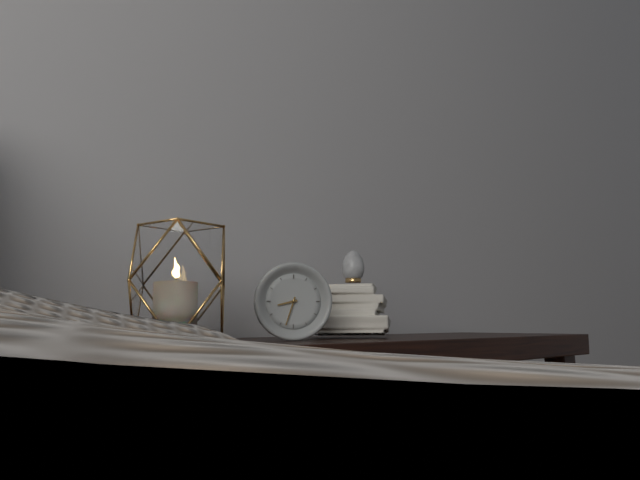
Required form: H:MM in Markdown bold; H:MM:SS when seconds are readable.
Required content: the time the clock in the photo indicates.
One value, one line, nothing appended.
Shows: **8:33**
